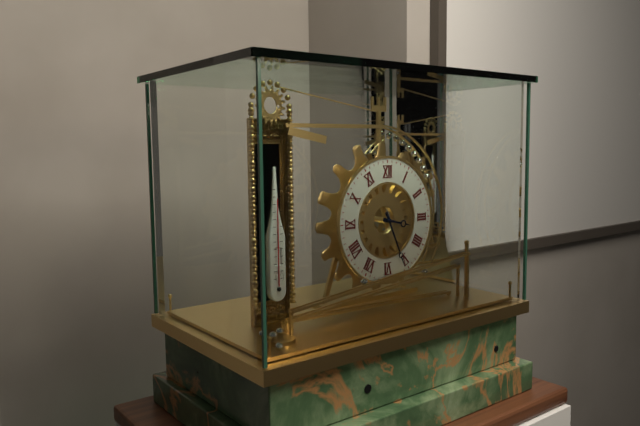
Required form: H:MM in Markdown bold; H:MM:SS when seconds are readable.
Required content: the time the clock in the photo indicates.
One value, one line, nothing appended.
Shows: **3:26**
